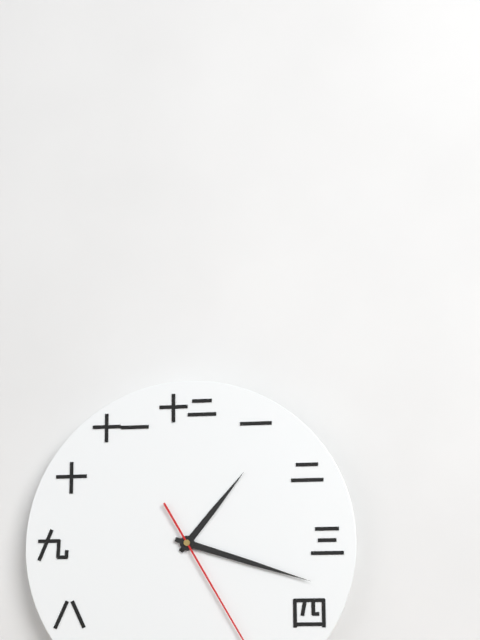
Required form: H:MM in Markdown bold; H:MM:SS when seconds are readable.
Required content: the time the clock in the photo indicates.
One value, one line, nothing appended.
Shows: **1:18**
